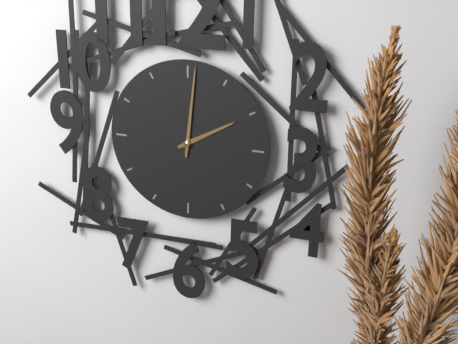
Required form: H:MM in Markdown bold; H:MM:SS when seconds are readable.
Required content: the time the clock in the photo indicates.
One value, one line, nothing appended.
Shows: **2:01**
